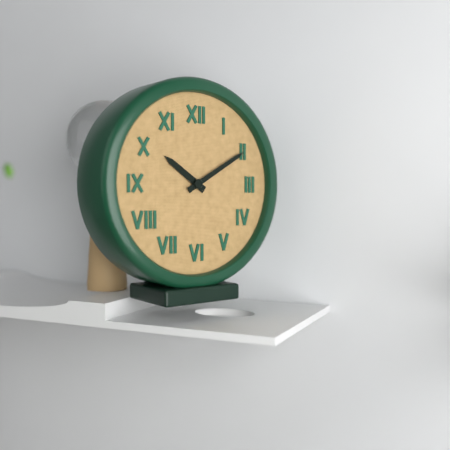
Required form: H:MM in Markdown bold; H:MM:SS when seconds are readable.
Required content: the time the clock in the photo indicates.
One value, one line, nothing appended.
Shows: **10:10**
